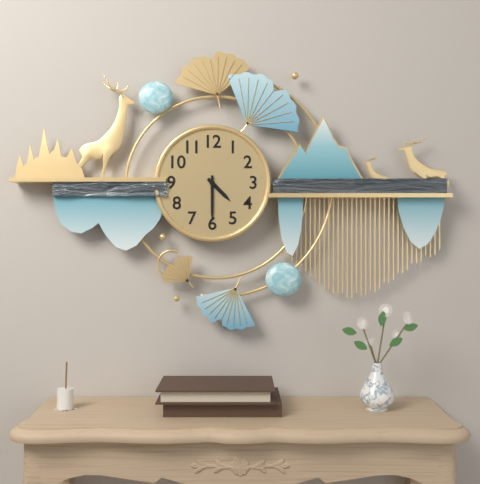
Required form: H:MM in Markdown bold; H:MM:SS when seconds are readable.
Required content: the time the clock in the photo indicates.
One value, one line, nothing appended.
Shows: **4:30**
